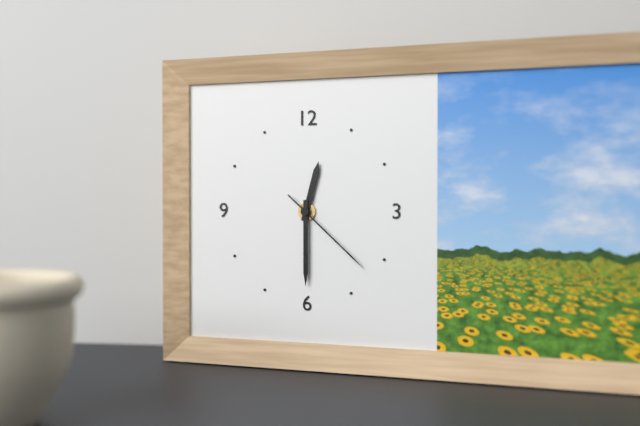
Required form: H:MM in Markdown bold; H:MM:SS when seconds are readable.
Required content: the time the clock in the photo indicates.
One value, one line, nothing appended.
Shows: **12:30:22**
